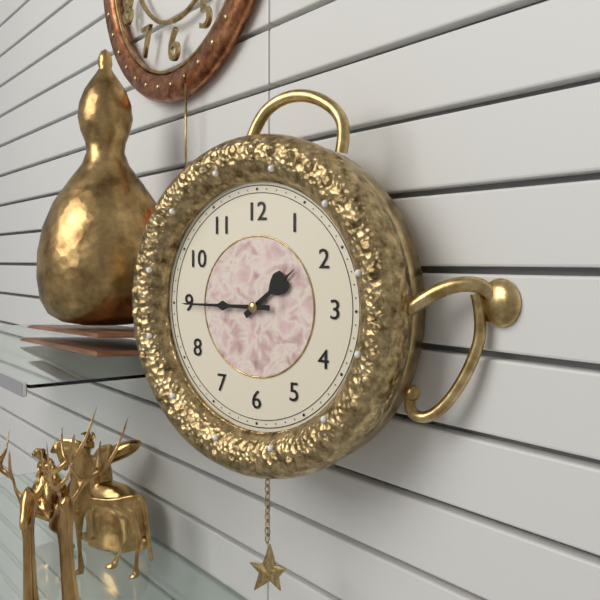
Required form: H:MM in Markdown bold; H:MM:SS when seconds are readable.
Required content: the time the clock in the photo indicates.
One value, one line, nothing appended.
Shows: **1:45**
